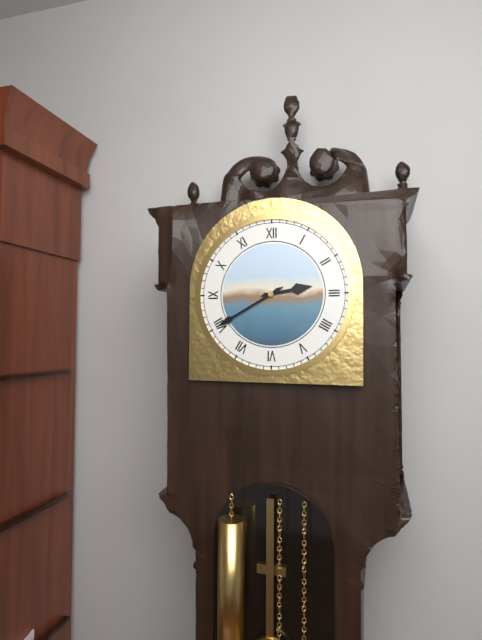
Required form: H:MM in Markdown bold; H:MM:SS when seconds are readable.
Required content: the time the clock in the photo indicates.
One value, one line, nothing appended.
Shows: **2:40**
